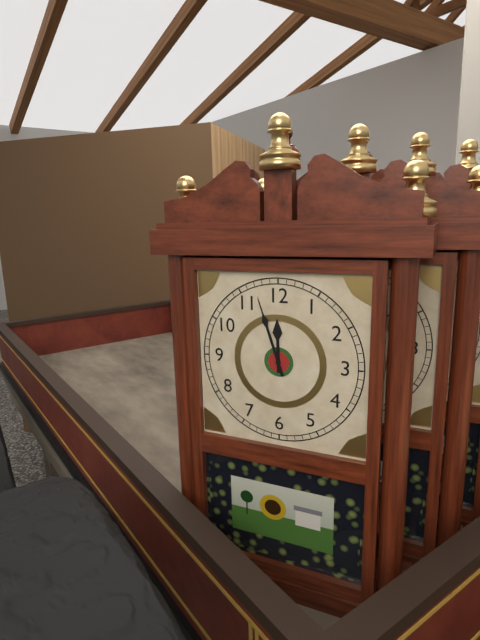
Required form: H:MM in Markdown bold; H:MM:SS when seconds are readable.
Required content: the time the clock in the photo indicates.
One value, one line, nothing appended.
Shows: **11:57**
